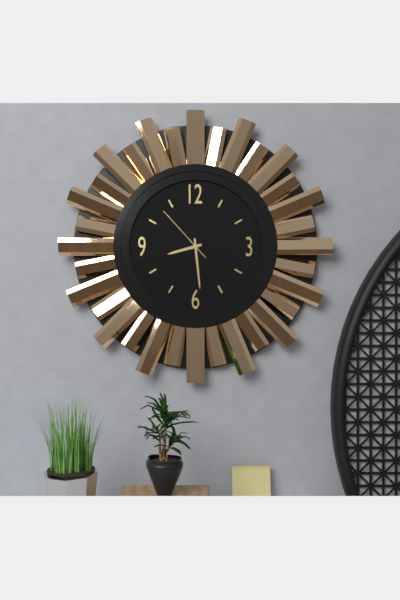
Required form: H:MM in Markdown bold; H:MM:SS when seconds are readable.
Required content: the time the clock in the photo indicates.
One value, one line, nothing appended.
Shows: **8:29:53**
